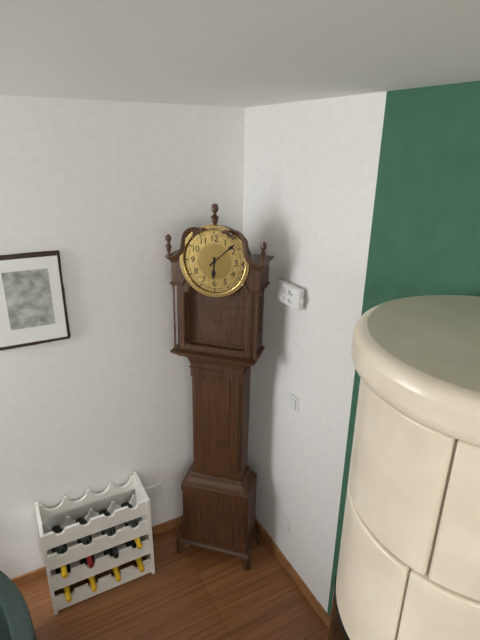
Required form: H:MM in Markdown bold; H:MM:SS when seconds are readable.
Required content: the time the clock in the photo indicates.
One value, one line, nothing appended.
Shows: **6:08**
